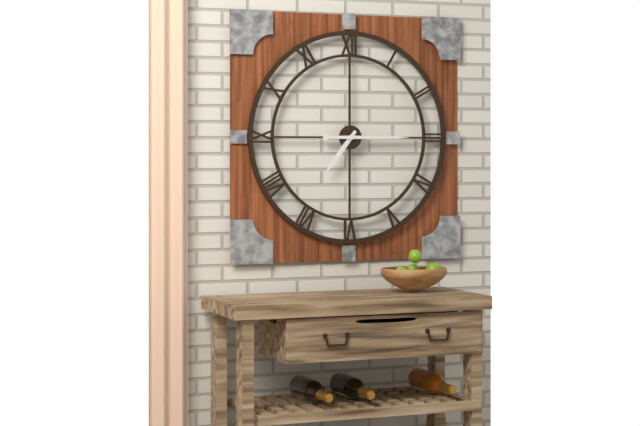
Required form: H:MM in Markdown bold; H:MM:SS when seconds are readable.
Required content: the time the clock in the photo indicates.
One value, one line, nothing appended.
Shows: **7:15**
